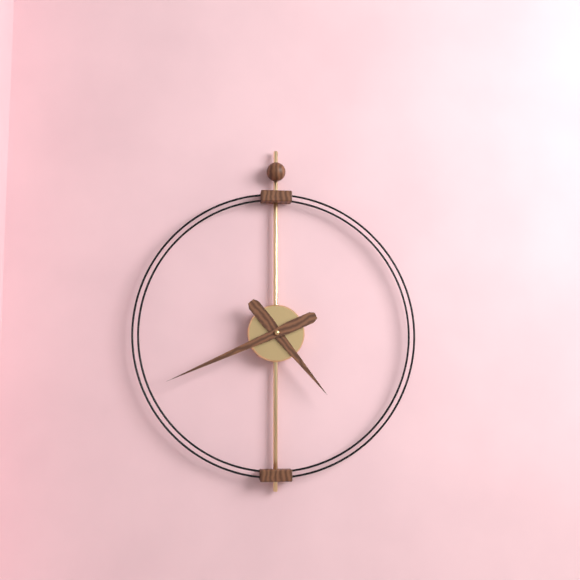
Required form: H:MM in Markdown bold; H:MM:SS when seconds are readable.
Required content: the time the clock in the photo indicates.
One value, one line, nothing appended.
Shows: **4:41**
